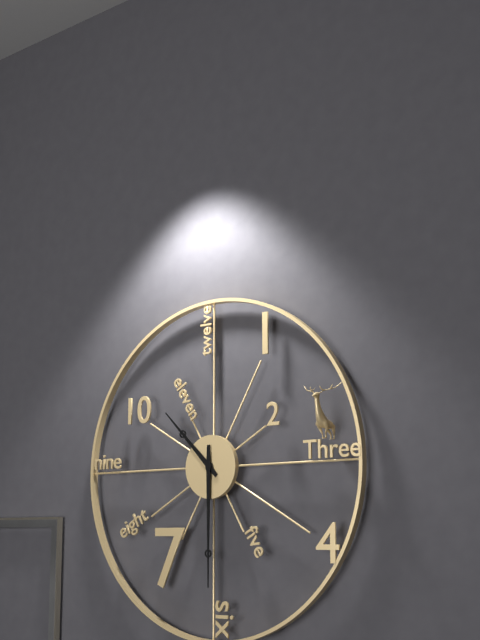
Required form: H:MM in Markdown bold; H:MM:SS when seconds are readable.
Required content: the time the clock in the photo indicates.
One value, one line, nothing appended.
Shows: **10:30**
